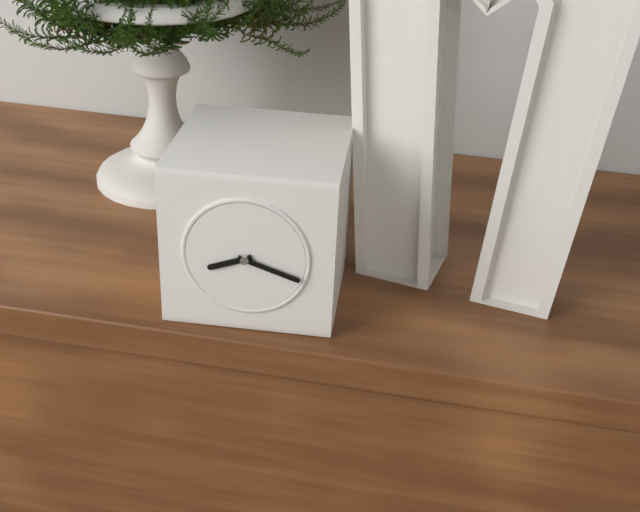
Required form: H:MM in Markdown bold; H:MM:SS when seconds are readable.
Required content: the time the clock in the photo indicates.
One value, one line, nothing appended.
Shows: **8:18**
